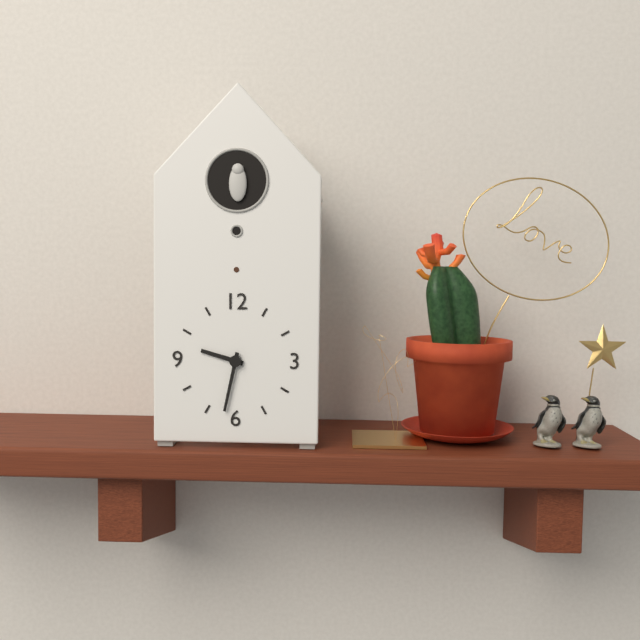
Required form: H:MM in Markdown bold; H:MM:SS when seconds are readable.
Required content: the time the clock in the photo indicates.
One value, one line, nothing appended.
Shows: **9:32**
